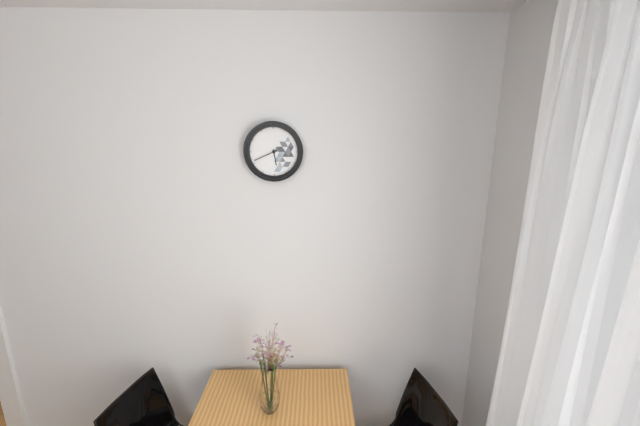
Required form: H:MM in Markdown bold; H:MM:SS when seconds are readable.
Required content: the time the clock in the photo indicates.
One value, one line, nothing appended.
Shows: **5:41**
